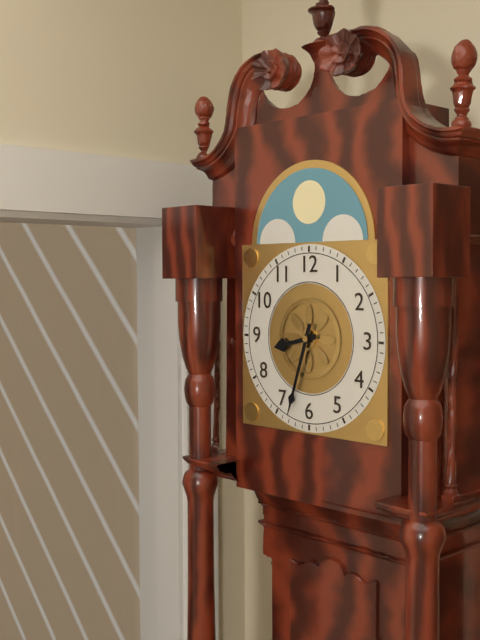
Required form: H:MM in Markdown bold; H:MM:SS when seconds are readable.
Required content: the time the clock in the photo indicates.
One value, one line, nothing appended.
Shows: **8:33**
